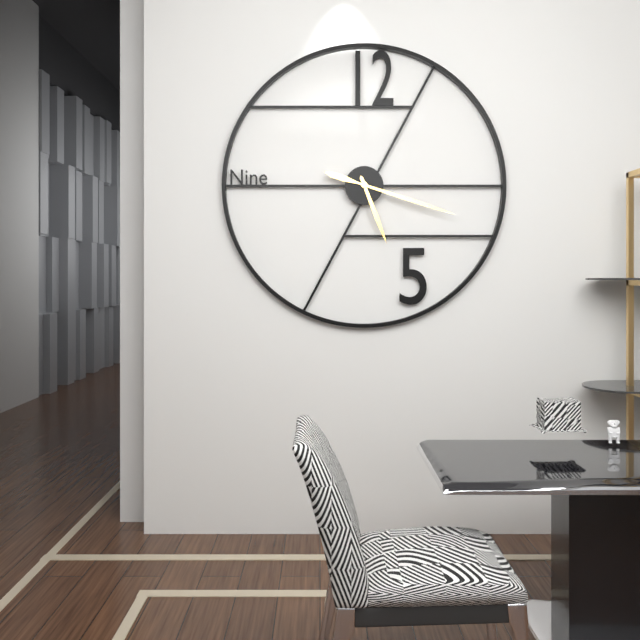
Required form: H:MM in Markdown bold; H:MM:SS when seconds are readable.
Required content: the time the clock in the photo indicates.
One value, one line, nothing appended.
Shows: **5:18**
